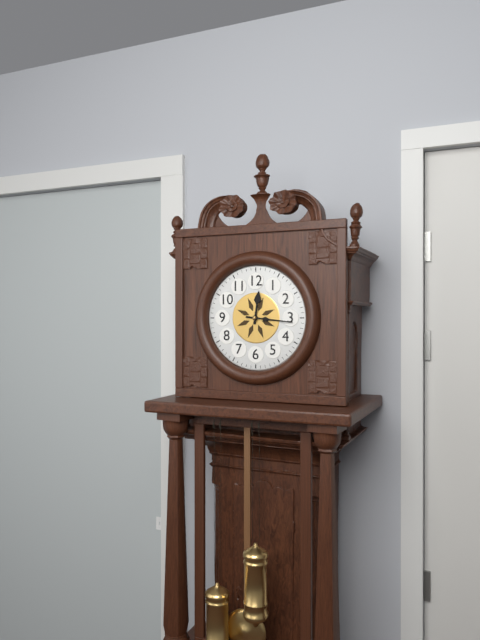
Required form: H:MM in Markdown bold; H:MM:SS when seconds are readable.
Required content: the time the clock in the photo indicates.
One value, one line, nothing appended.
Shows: **12:16**
